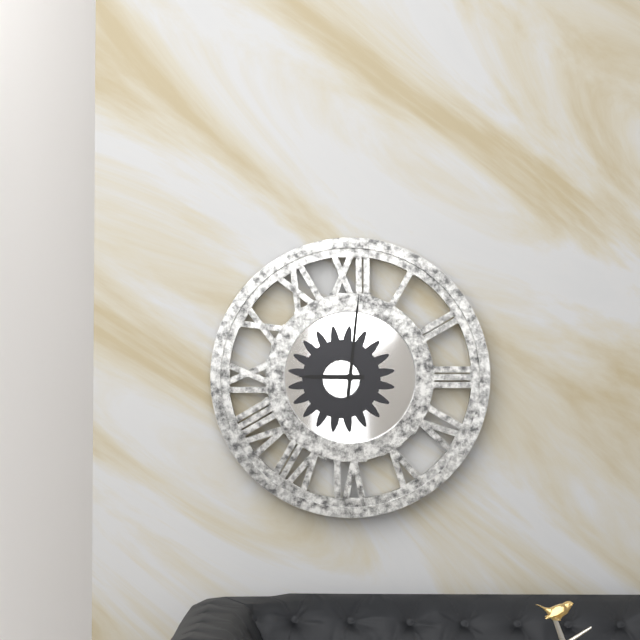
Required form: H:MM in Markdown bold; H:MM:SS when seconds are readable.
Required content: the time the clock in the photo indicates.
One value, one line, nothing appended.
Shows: **9:01**
